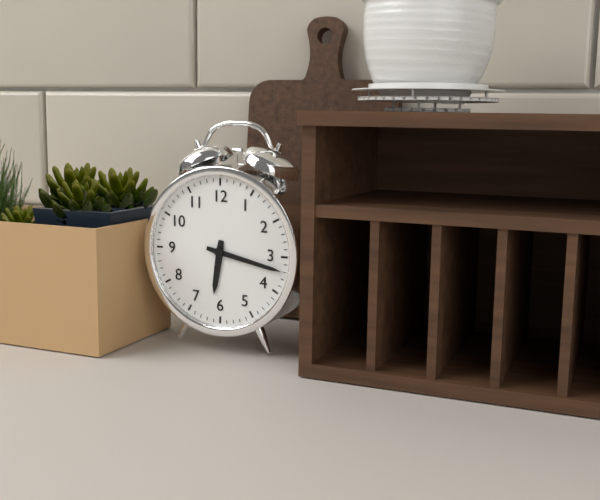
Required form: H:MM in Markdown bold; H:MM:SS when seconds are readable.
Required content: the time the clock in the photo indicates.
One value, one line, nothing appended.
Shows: **6:17**
